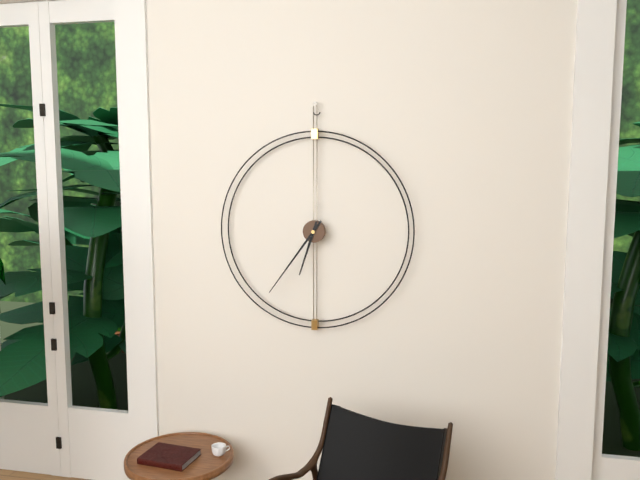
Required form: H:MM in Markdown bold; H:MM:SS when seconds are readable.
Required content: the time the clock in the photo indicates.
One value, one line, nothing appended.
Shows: **6:36**
